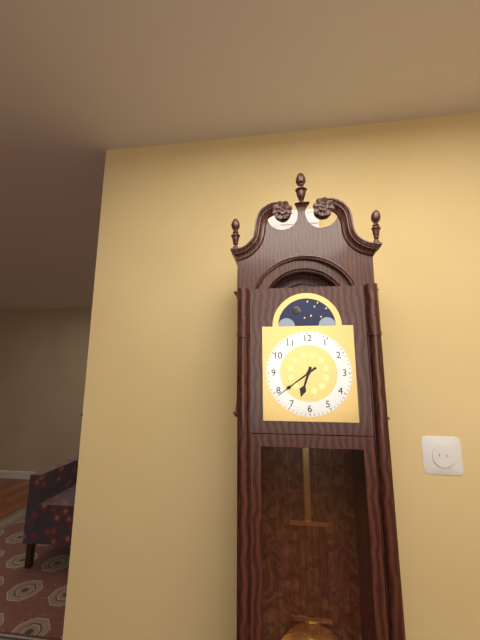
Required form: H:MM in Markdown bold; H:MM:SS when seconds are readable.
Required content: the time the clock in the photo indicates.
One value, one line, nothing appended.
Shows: **6:39**
